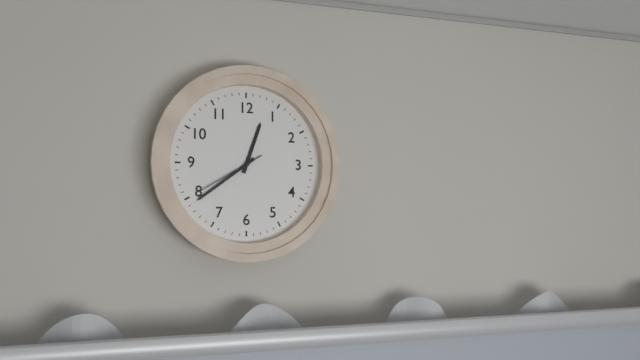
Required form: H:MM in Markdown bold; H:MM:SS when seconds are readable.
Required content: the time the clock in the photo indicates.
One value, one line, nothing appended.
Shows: **12:39:40**
